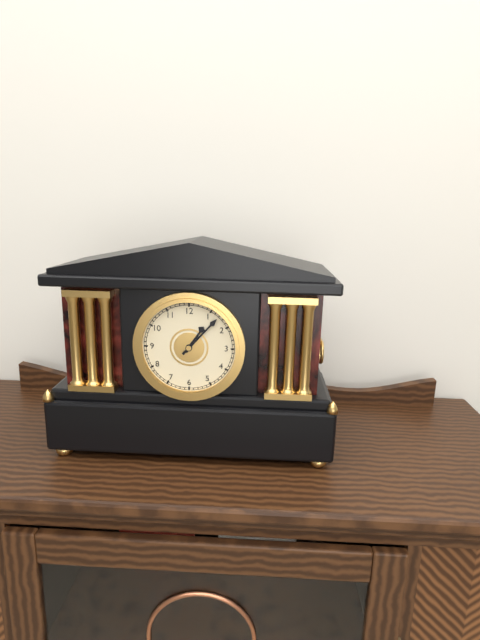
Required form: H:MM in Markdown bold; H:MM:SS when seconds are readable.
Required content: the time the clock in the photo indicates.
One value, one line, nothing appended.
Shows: **1:07**
